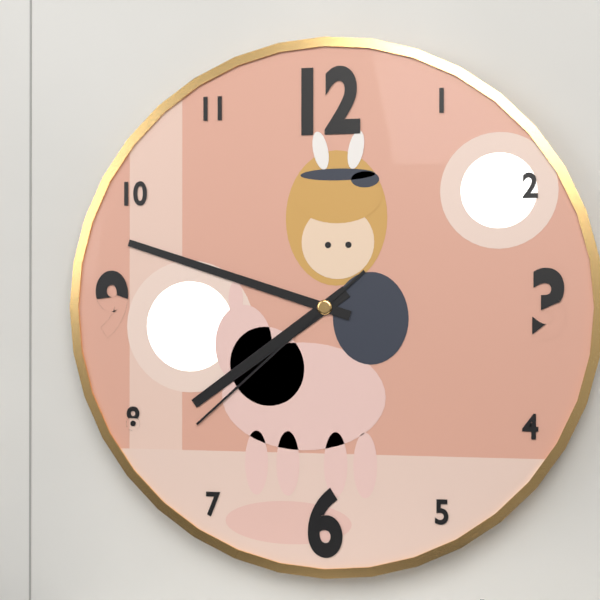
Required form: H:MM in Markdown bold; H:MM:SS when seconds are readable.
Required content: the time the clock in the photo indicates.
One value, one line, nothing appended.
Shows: **7:48:38**
